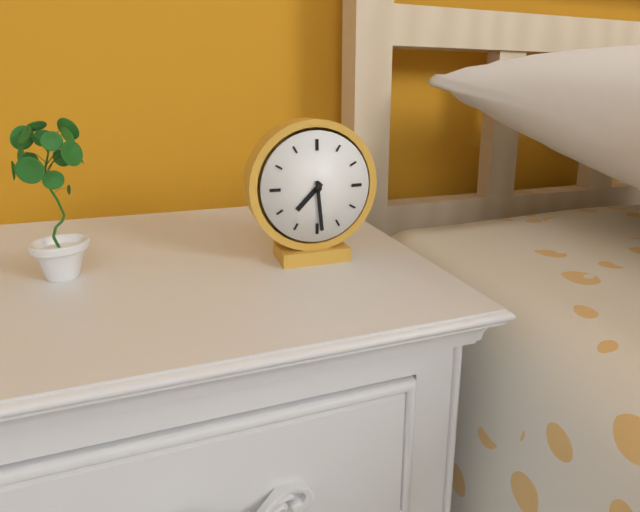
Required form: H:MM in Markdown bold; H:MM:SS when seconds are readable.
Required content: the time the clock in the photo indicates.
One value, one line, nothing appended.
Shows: **7:29**
